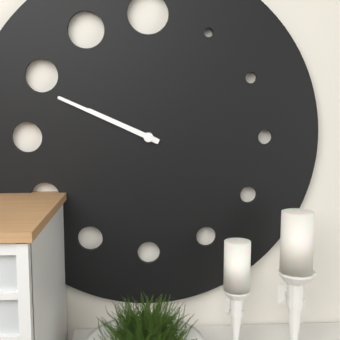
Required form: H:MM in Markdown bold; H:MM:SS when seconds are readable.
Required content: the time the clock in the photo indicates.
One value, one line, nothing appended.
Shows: **9:49**
